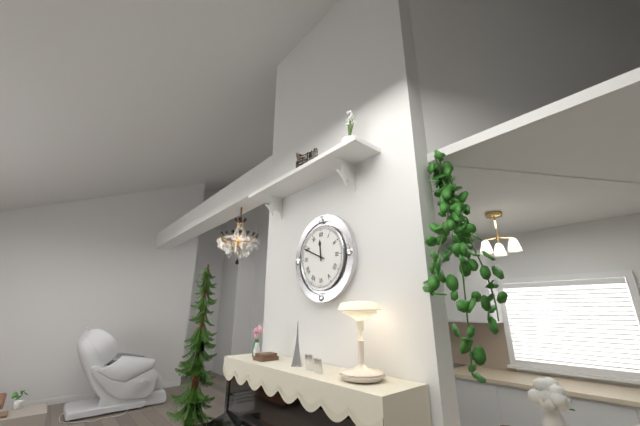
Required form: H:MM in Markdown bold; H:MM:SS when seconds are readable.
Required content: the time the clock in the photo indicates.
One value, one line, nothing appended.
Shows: **11:49**
